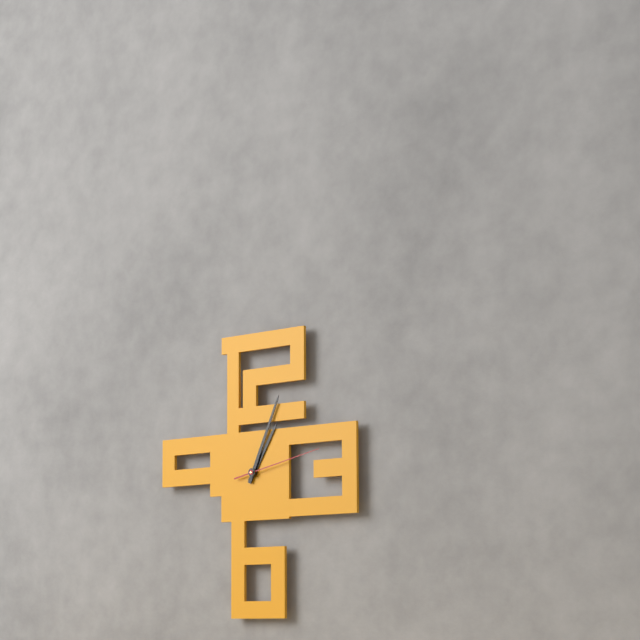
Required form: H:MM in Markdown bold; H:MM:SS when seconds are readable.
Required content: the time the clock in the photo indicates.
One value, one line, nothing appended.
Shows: **1:04:13**
